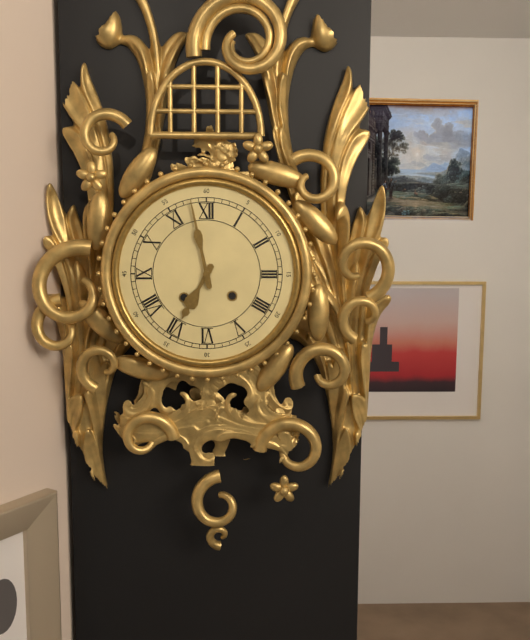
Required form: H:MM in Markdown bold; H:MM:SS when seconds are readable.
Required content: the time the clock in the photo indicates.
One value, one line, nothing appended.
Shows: **6:58**
